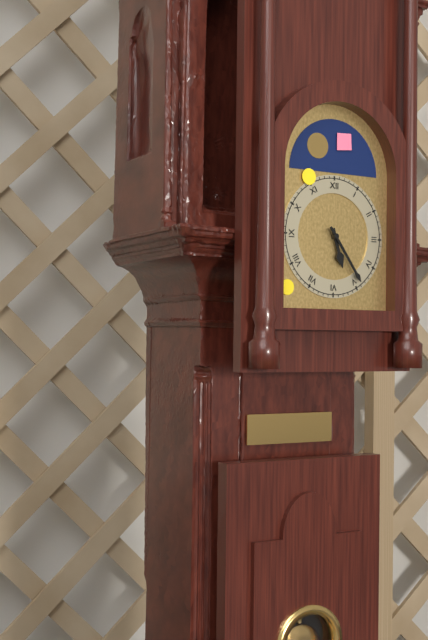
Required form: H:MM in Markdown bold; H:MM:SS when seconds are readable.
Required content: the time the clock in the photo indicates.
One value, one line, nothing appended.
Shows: **5:24**
